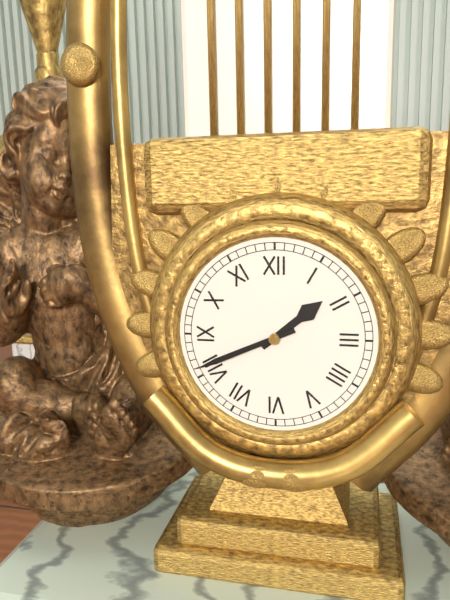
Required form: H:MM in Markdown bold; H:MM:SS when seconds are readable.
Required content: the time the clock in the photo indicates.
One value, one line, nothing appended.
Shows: **1:41**
